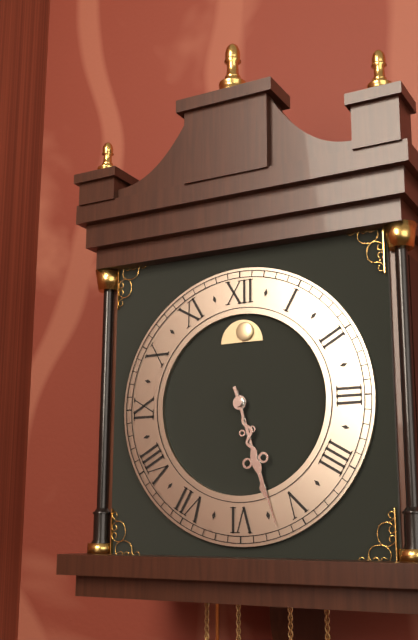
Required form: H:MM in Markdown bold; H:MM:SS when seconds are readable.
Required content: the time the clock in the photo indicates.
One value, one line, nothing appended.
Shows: **5:27**
